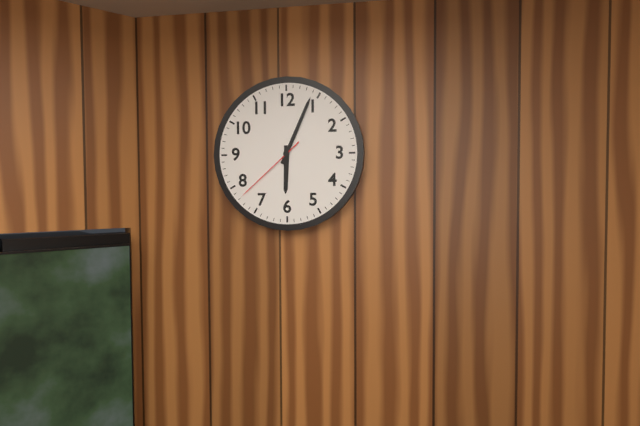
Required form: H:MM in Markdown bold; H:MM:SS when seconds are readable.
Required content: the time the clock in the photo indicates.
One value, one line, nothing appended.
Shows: **6:04:38**
